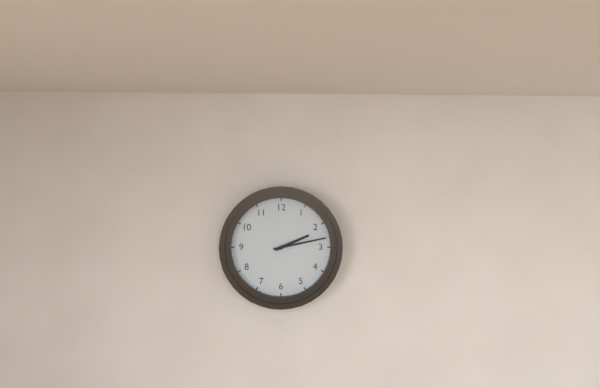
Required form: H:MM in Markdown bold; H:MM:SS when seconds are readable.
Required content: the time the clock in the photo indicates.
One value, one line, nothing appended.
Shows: **2:13**
